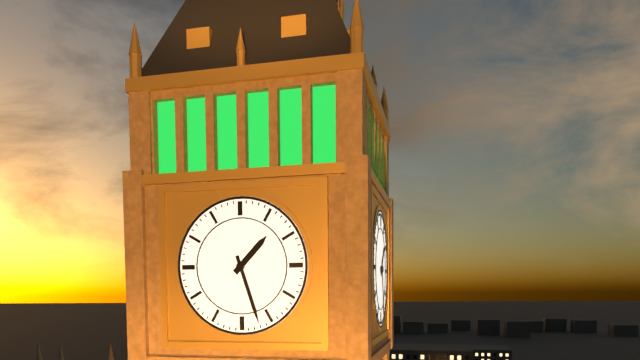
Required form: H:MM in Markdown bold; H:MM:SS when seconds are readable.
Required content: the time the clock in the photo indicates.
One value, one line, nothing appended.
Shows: **1:27**
